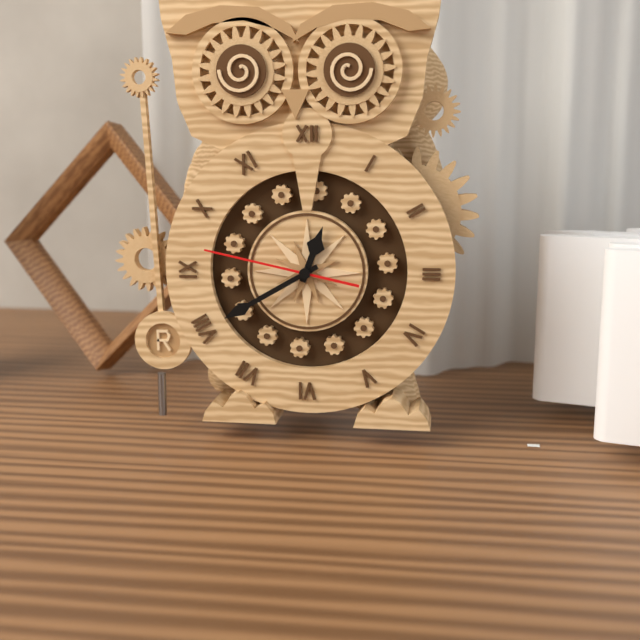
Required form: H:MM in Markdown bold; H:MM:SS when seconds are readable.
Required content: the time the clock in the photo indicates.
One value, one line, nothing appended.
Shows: **12:40:47**
